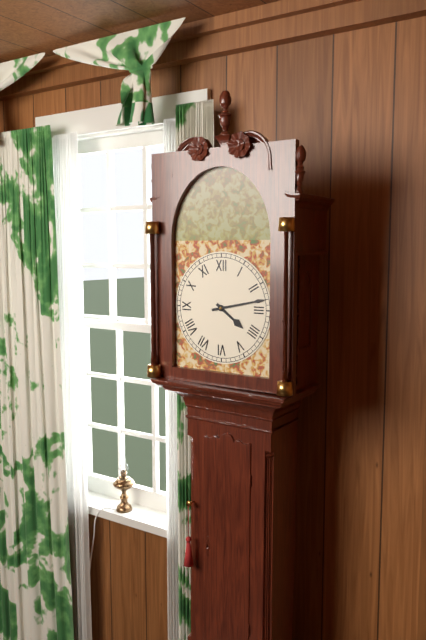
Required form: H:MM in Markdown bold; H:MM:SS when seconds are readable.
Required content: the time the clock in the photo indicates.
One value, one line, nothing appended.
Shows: **4:13**
